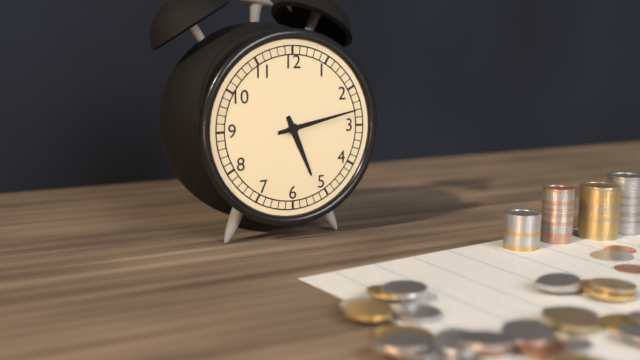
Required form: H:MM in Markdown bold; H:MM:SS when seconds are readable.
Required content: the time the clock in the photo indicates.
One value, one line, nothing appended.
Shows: **5:13**
